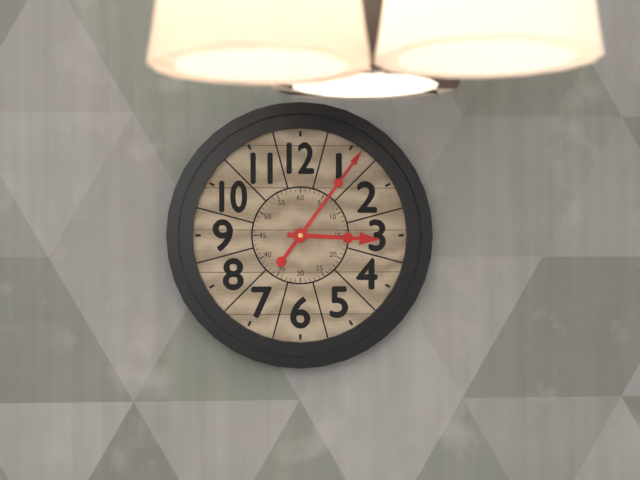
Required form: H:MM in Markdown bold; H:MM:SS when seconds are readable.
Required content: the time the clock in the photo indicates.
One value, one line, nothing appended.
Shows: **3:06**
